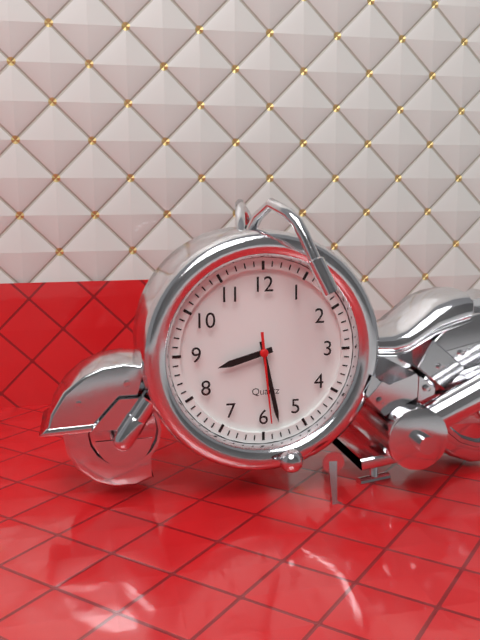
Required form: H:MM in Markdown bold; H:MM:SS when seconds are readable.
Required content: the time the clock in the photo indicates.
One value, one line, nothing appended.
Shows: **8:28:29**
